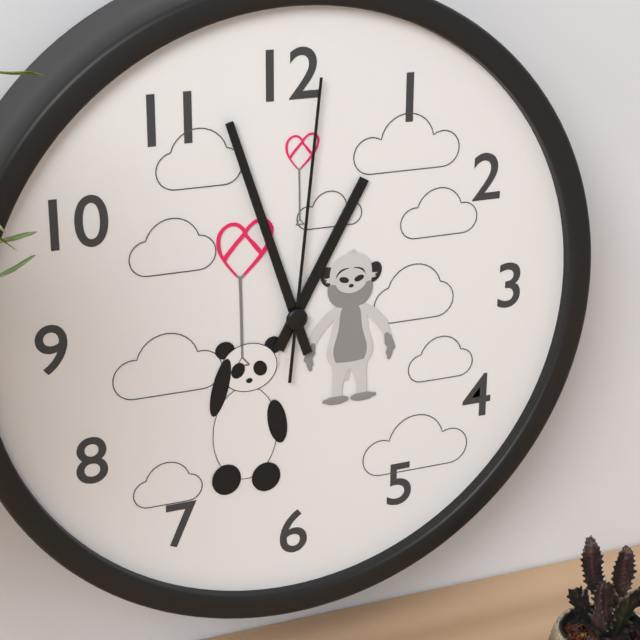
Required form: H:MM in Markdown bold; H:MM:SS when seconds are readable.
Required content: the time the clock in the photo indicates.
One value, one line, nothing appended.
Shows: **12:57:01**
